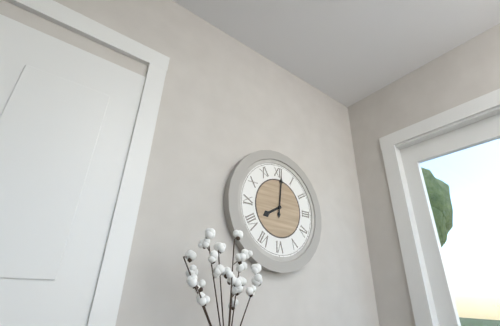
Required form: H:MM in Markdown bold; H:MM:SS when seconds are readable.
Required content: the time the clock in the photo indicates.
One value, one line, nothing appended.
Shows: **8:01**
